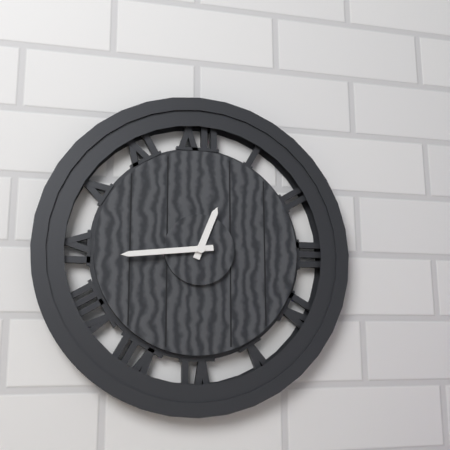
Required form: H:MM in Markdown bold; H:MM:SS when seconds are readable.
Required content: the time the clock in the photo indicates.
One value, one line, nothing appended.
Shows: **12:44**
